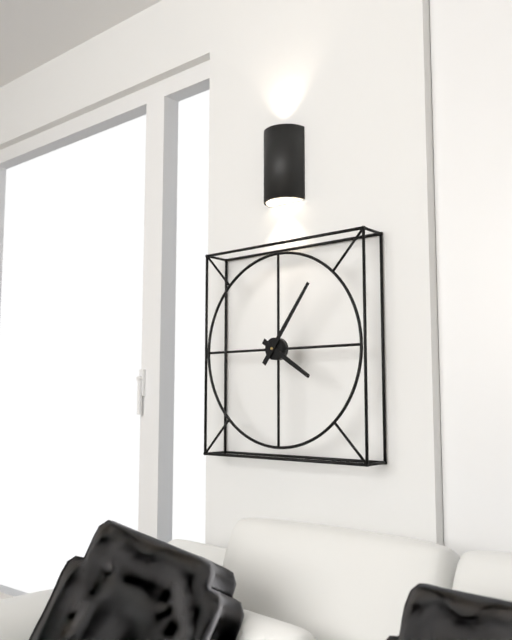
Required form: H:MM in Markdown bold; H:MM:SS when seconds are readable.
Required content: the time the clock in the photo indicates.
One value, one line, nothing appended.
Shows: **4:06**
